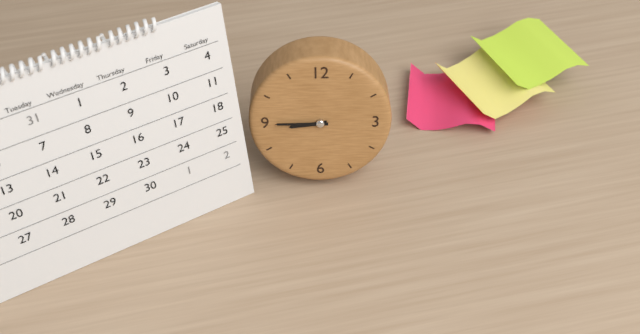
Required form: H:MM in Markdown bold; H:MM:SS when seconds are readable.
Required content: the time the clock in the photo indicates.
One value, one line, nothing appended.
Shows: **8:45**
